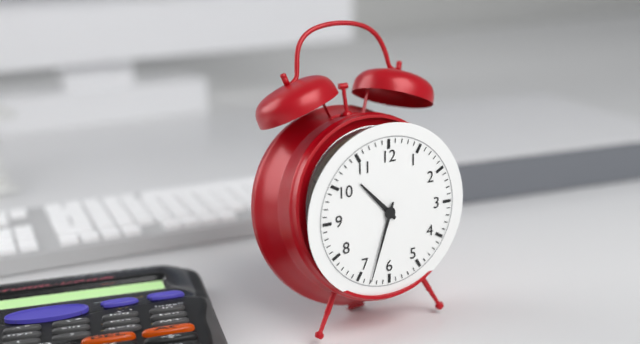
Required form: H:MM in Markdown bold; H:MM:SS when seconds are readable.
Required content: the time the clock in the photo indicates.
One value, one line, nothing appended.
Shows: **10:33**
